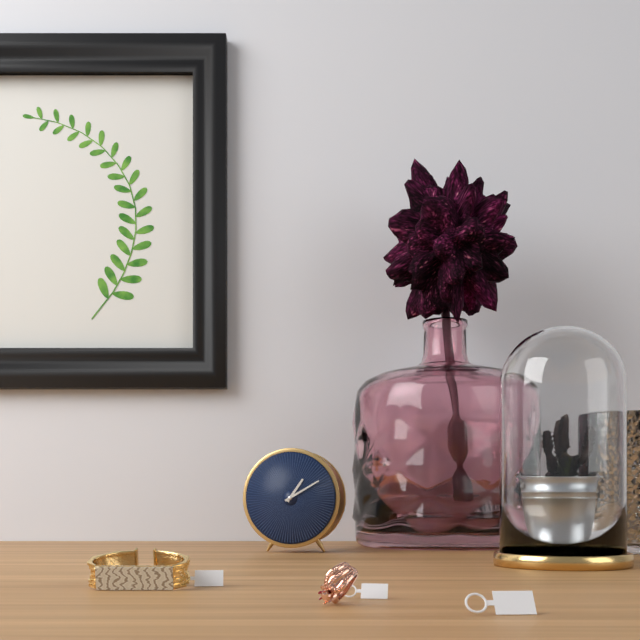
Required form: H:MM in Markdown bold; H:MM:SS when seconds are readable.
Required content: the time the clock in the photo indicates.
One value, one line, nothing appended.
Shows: **1:10**
